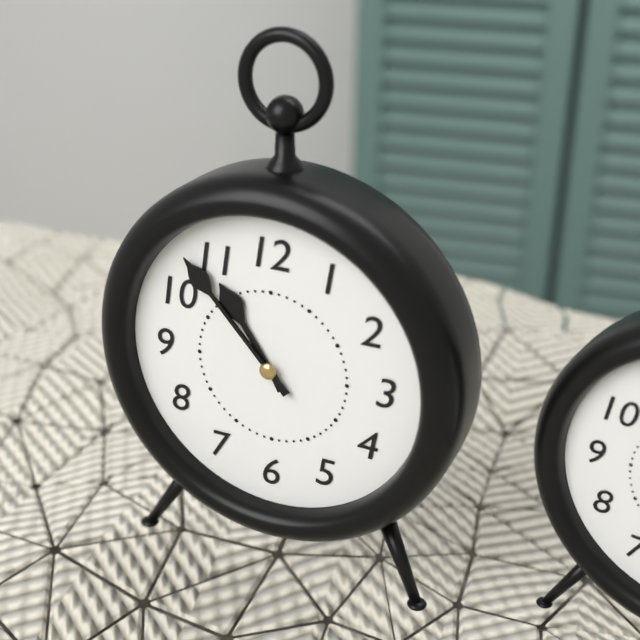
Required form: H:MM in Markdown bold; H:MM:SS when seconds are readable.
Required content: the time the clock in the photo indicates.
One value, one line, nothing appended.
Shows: **10:53**
